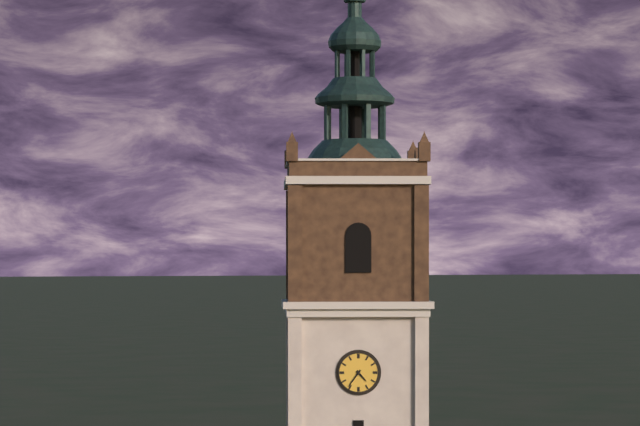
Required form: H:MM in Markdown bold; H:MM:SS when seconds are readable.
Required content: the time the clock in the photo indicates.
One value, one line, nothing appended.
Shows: **4:36**
